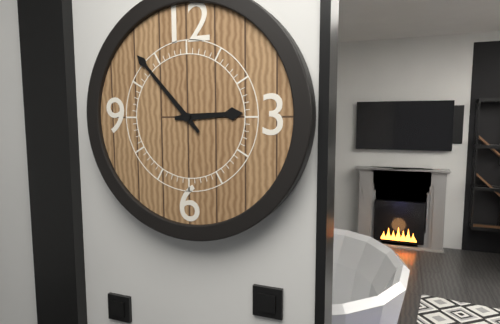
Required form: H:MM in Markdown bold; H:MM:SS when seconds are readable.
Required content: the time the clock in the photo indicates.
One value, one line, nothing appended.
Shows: **2:53**
